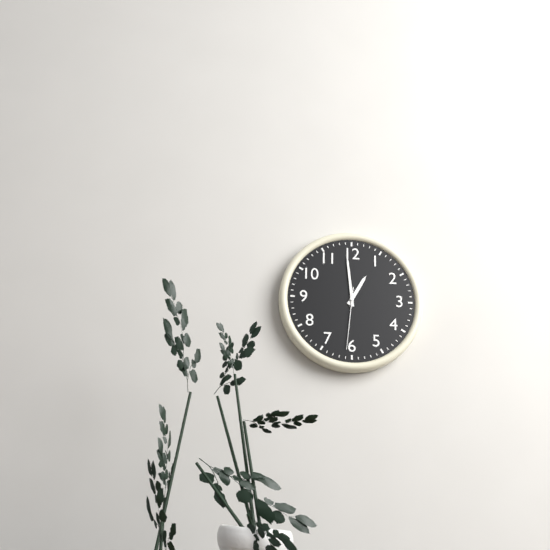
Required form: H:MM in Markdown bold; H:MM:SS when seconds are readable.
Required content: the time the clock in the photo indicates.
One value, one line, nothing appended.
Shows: **12:59:31**
